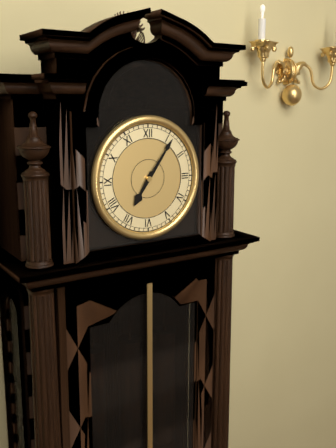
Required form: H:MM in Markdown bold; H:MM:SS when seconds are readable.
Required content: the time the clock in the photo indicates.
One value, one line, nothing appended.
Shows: **7:06**
